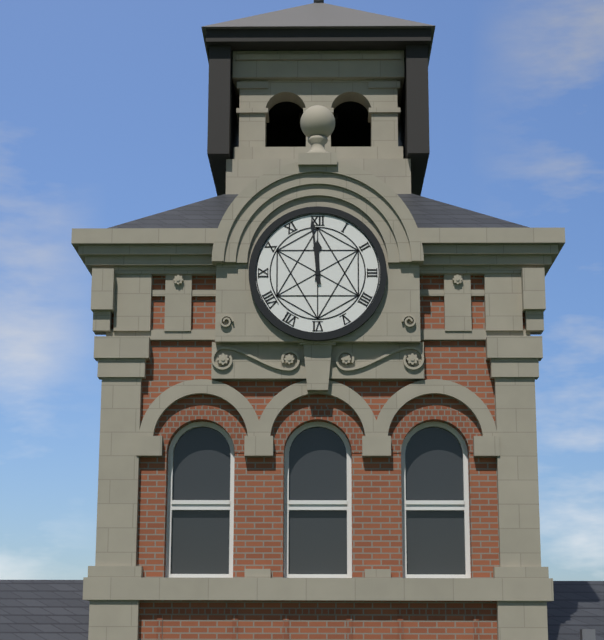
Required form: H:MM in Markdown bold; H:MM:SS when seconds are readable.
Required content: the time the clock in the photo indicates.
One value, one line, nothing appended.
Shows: **11:59**
